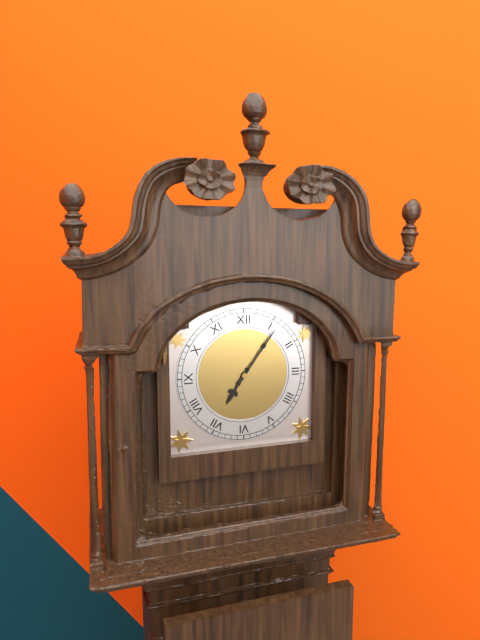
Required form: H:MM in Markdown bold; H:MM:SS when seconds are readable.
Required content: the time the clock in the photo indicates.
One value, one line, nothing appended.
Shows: **7:06**
